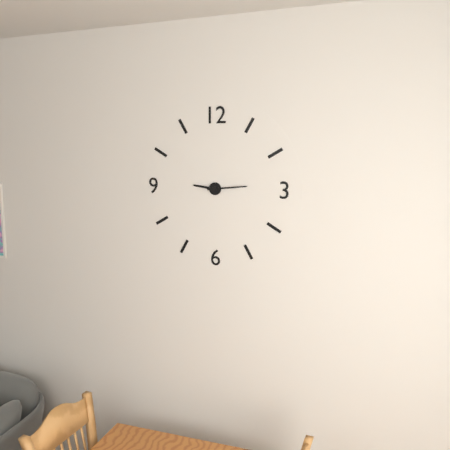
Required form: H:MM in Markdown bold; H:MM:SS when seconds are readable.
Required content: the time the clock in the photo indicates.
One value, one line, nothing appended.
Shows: **9:14**
